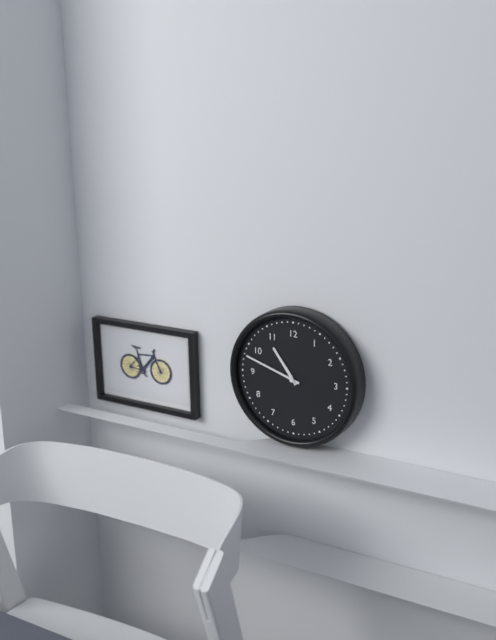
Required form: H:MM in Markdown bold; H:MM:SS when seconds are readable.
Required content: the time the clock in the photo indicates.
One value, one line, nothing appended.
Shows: **10:48**
